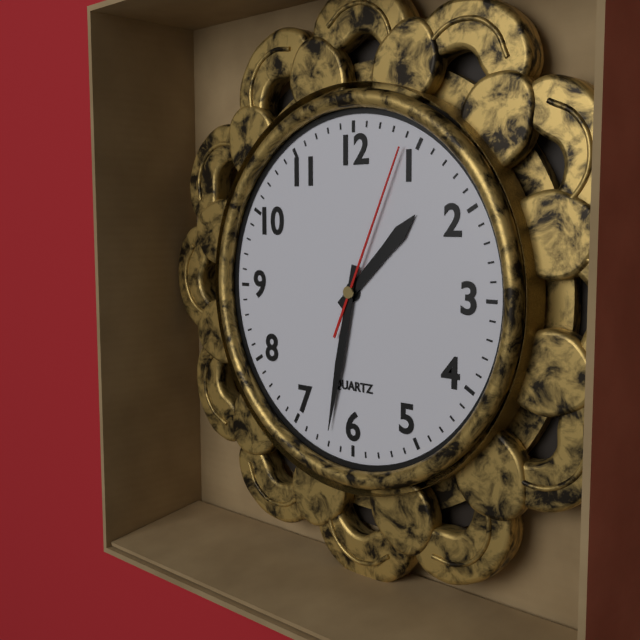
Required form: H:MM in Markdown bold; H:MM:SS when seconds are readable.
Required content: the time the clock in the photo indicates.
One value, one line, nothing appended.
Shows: **1:32:04**
